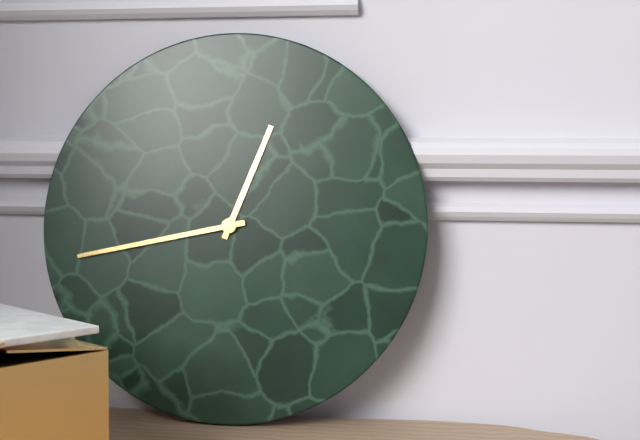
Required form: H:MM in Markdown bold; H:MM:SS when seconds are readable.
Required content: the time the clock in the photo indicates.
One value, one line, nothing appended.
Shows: **12:43**
